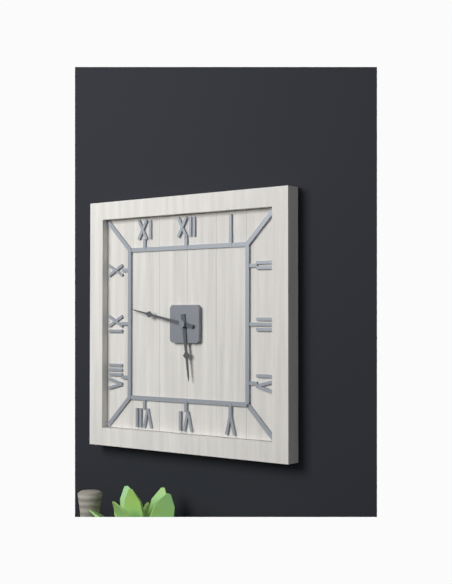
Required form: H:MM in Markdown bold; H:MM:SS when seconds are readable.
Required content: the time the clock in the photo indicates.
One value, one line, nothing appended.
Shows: **5:47**
